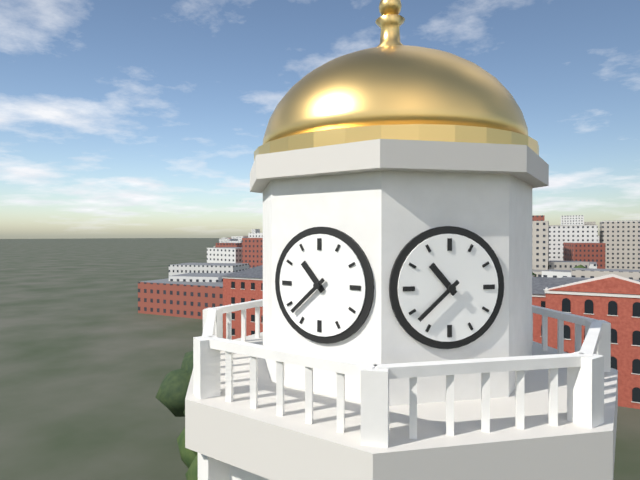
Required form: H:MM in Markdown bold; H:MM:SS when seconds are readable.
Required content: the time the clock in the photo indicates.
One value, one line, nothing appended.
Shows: **10:38**
